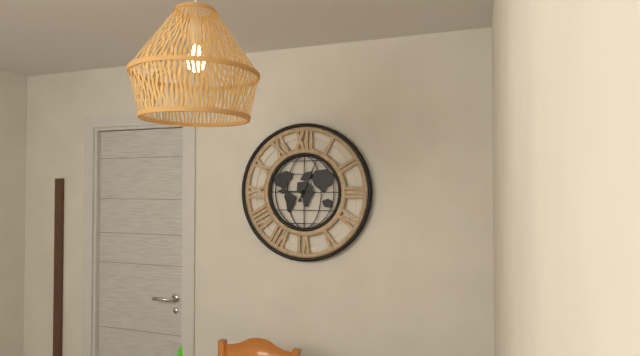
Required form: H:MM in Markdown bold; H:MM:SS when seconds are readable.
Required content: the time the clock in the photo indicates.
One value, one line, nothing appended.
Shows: **9:04**
